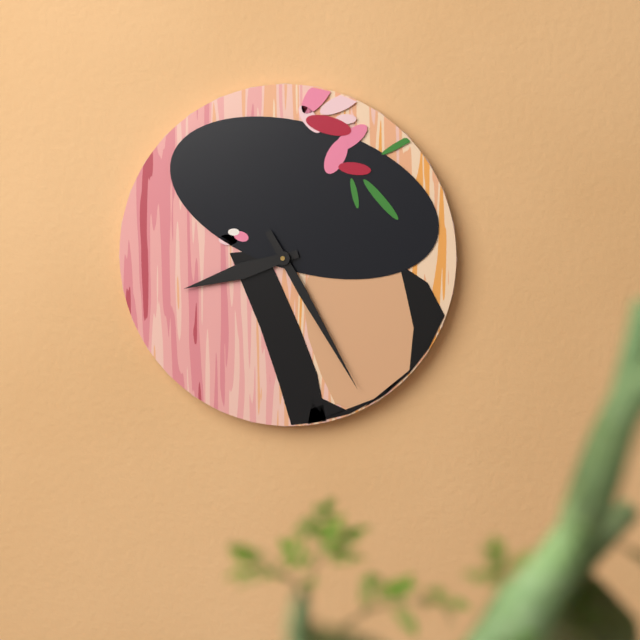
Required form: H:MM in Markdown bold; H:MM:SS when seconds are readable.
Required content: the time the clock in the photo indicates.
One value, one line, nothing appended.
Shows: **8:25**
